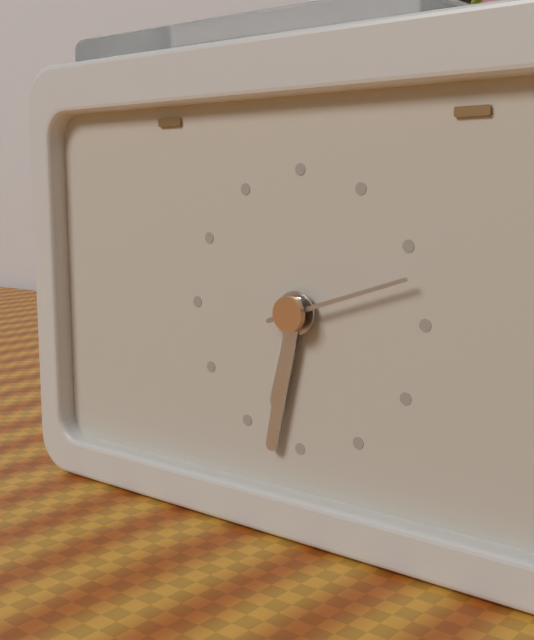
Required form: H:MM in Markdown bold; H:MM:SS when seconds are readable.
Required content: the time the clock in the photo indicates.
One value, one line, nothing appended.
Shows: **6:32:12**
